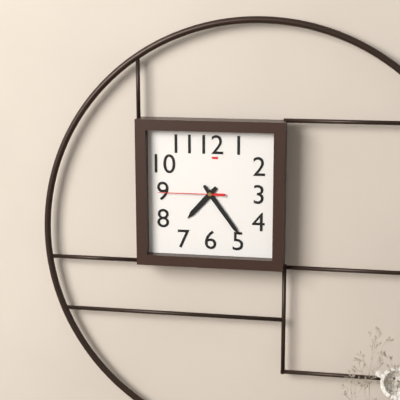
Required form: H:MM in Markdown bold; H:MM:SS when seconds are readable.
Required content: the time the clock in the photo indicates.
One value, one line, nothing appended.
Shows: **7:24:45**
